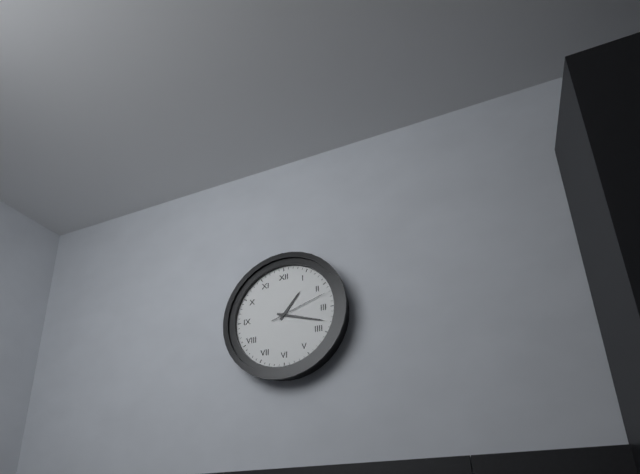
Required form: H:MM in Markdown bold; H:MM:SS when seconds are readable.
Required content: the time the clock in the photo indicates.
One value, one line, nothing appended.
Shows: **1:18:12**
